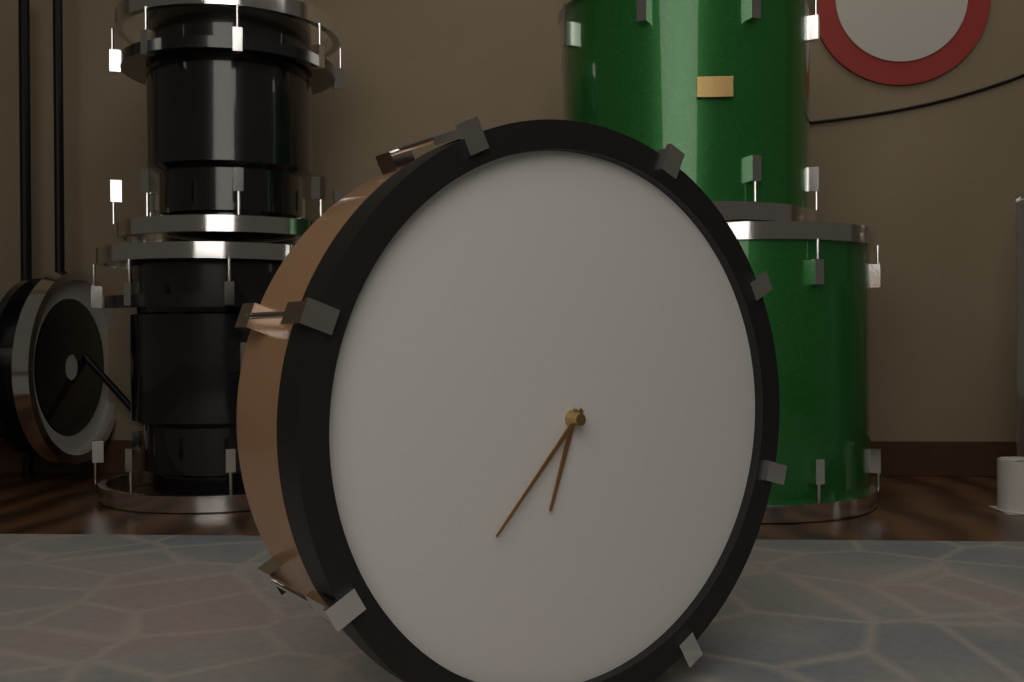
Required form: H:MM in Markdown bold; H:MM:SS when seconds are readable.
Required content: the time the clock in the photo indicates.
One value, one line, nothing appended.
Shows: **6:37**
